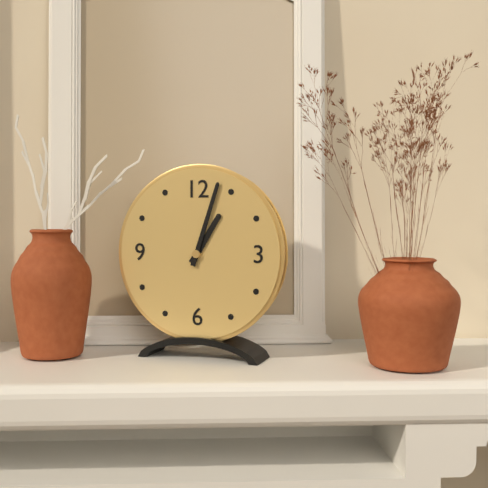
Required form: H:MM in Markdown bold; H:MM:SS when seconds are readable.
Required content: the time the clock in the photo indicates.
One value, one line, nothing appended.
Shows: **1:03**
